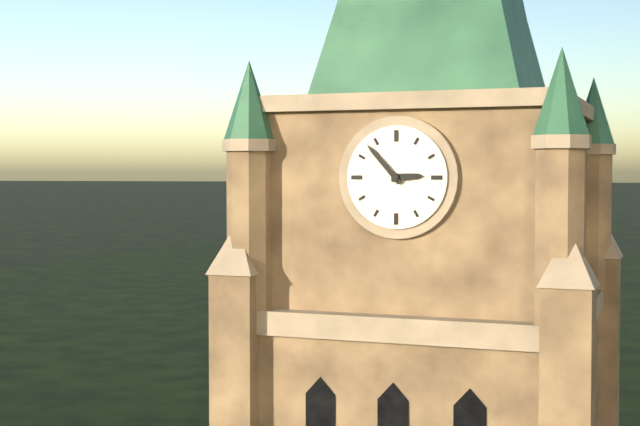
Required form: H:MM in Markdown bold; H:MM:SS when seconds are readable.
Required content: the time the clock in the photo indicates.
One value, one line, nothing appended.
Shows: **2:53**
